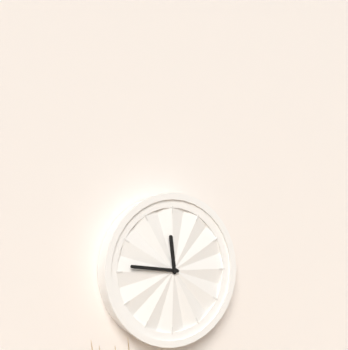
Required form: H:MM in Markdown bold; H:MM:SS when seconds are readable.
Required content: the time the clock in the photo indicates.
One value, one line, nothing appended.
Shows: **11:46**
